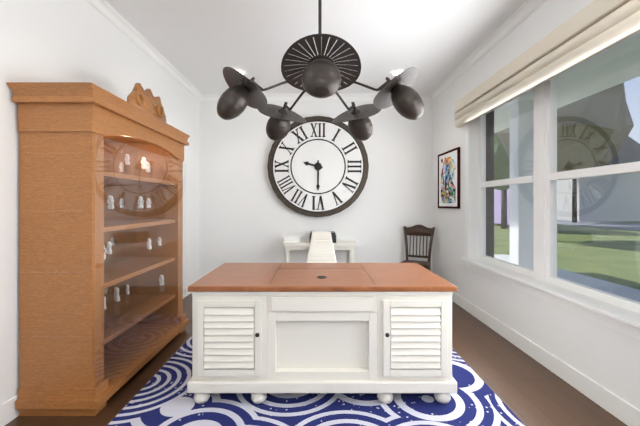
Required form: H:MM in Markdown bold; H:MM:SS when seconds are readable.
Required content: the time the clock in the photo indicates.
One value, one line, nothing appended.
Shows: **9:30**
